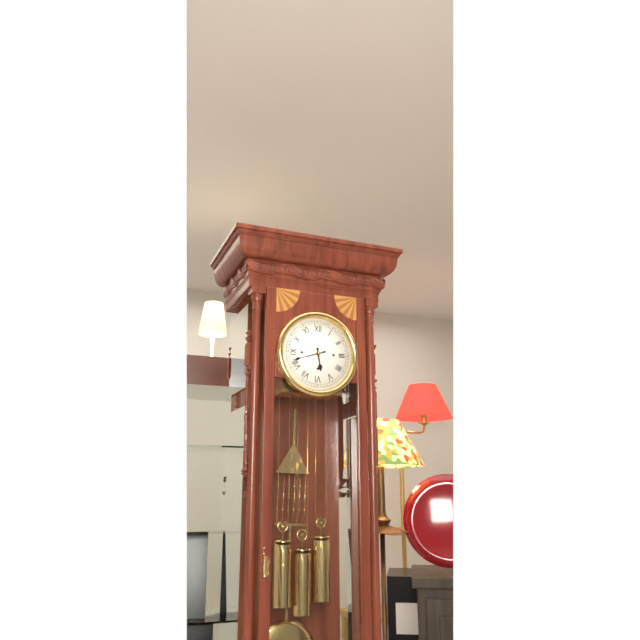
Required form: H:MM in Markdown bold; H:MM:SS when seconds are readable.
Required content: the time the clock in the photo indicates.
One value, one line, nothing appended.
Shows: **5:42**
